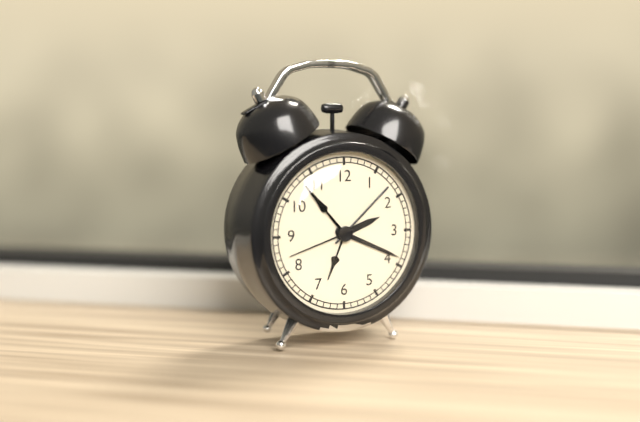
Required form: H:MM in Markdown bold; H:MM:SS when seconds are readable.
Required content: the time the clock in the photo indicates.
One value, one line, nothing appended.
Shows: **2:19:42**
